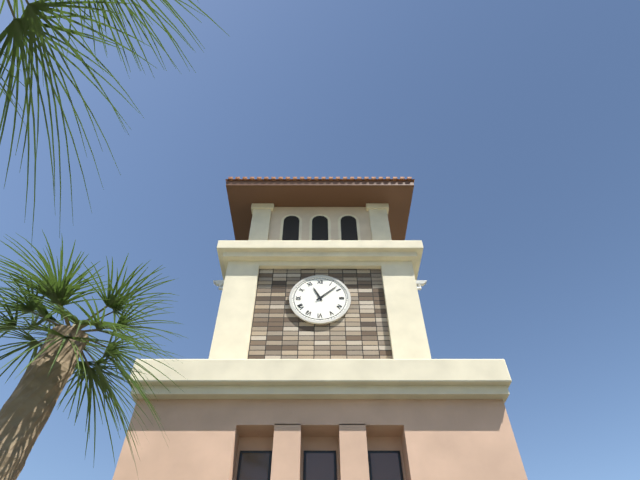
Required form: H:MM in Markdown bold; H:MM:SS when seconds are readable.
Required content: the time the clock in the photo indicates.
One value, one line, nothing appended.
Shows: **11:08**
